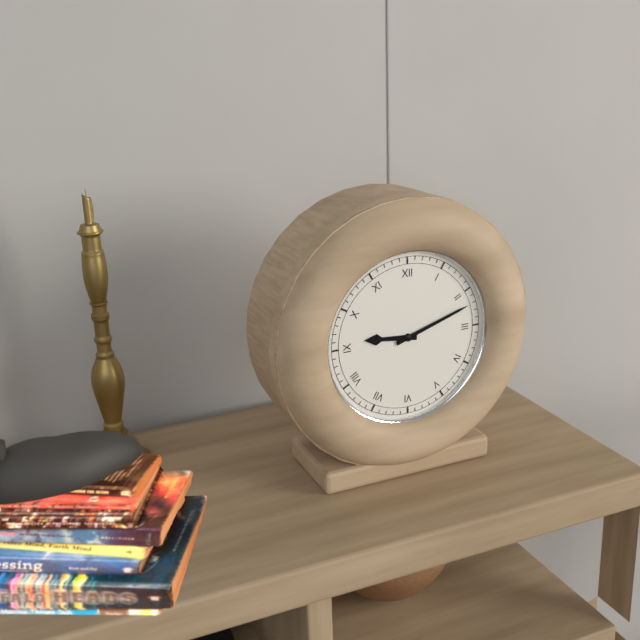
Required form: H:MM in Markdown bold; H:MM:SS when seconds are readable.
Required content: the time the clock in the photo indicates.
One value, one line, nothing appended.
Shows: **9:12**
